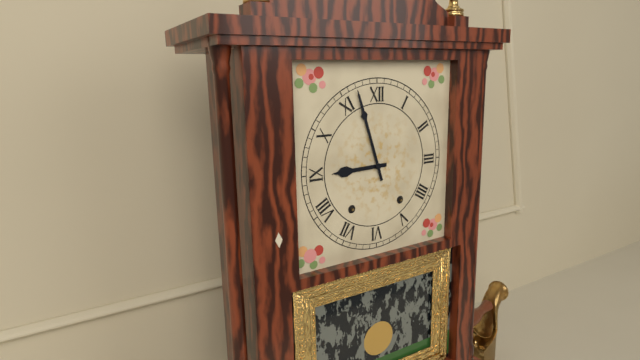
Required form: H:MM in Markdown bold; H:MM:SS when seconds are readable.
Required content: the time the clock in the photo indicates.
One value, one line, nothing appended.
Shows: **8:57**
